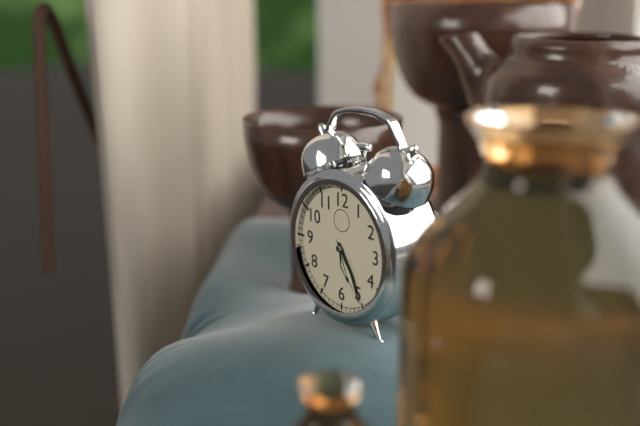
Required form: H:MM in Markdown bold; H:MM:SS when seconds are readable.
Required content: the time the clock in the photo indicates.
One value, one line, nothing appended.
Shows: **5:25**
